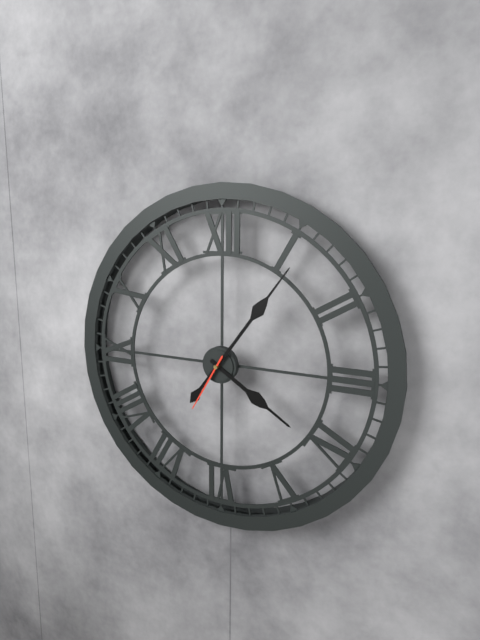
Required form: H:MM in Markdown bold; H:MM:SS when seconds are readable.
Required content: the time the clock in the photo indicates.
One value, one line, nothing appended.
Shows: **4:06:35**
